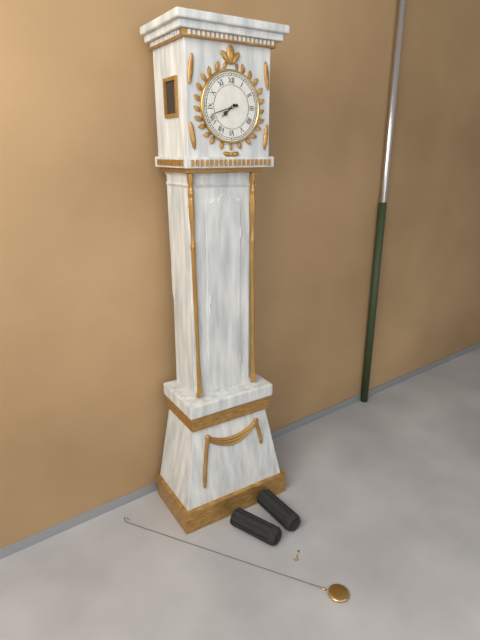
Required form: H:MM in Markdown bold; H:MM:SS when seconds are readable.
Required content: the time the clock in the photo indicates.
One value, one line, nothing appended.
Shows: **7:42**
